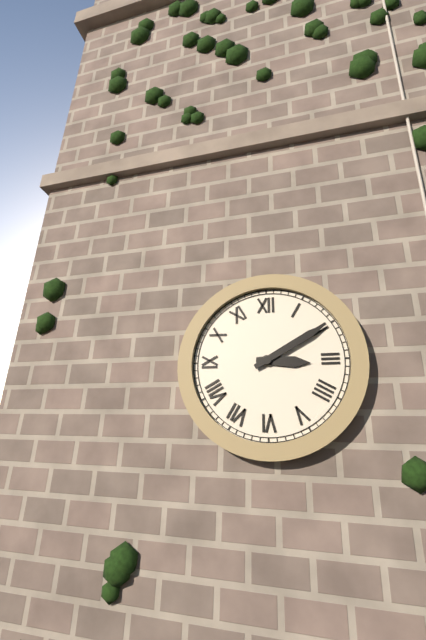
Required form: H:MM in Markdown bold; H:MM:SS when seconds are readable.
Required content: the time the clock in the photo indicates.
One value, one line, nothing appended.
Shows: **3:10**
